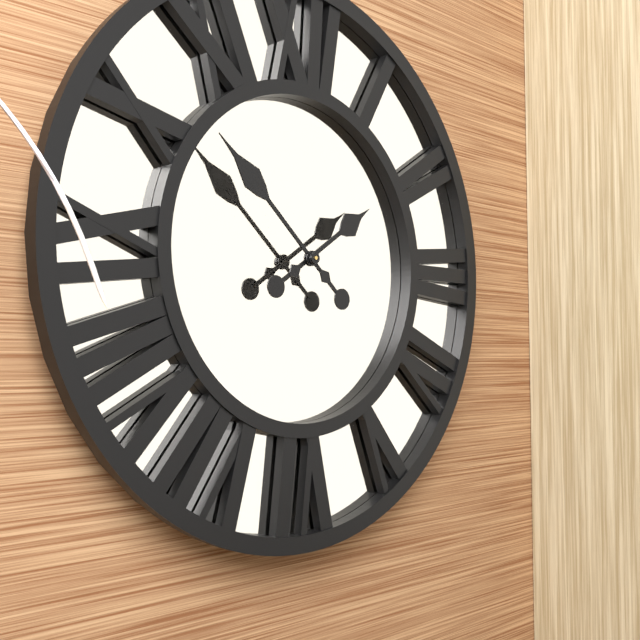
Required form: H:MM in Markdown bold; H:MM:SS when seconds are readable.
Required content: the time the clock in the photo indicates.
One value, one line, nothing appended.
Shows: **1:52**
